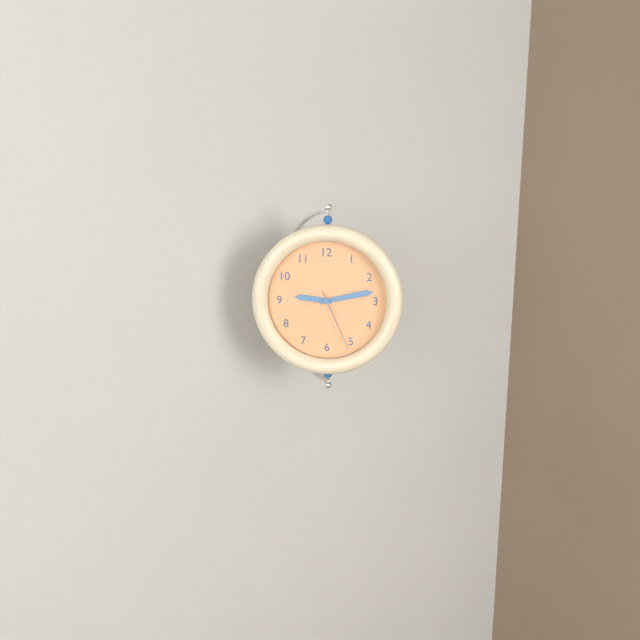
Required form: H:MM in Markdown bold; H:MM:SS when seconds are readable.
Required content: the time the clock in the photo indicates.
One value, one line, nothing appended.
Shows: **9:13:26**
